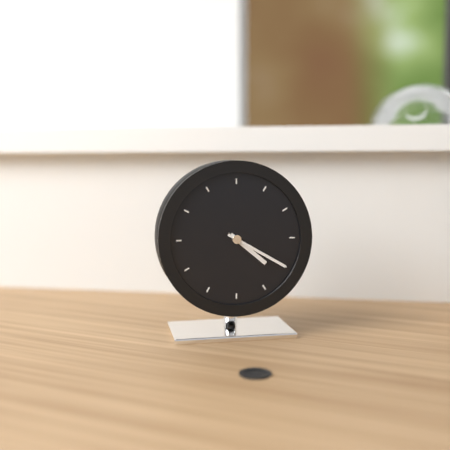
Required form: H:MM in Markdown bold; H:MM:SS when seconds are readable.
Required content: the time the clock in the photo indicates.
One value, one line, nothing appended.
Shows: **4:20**
